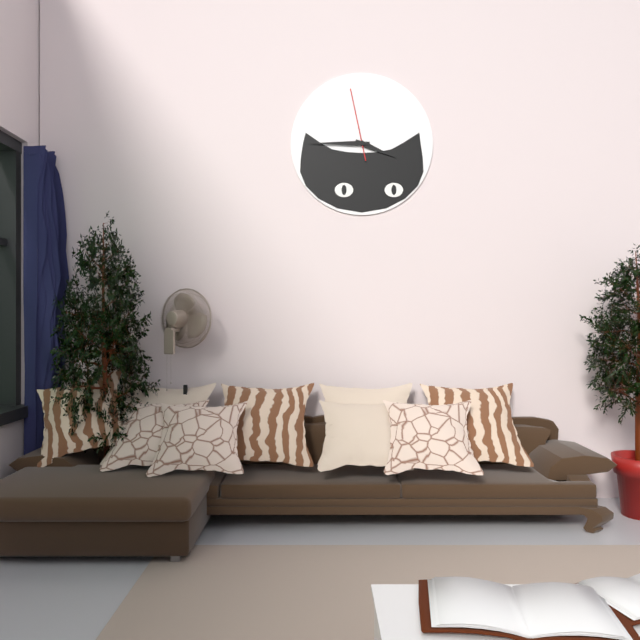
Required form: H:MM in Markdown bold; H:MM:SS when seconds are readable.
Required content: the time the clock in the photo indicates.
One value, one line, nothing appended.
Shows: **3:45:58**
